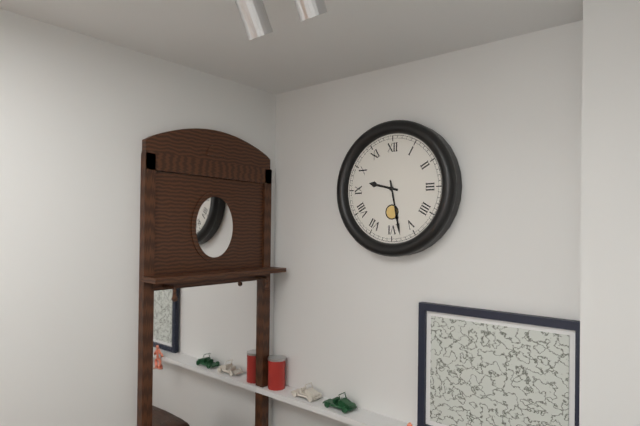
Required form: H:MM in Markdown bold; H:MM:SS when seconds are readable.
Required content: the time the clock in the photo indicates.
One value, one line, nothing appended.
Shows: **9:28**
